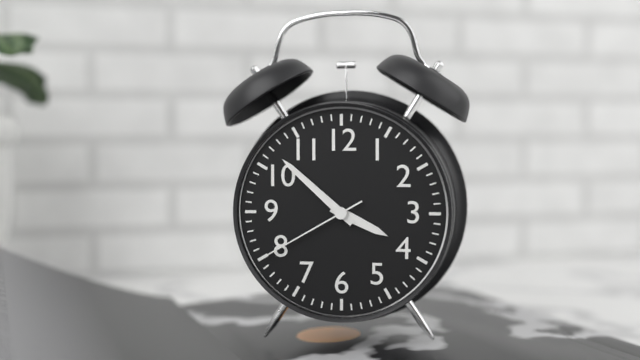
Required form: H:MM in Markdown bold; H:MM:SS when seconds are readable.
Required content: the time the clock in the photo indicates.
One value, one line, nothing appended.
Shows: **3:52:40**
